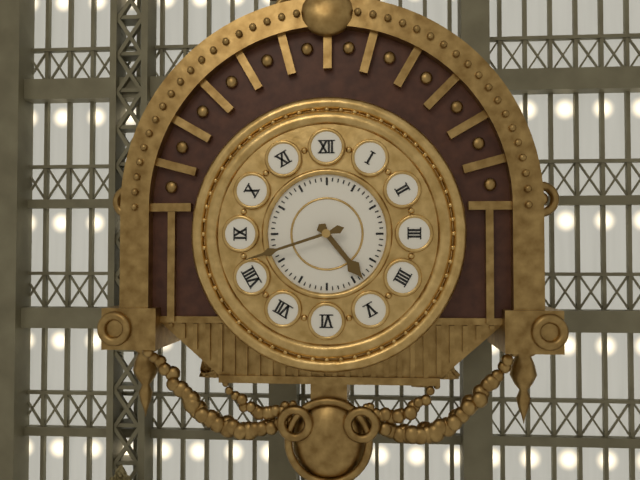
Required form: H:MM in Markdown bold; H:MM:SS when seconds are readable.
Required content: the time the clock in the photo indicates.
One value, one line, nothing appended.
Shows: **4:42**
